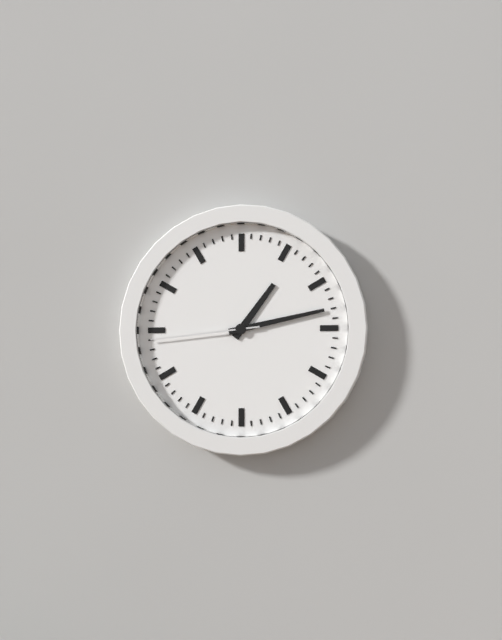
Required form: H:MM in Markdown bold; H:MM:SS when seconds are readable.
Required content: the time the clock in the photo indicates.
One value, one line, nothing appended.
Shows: **1:13:44**
